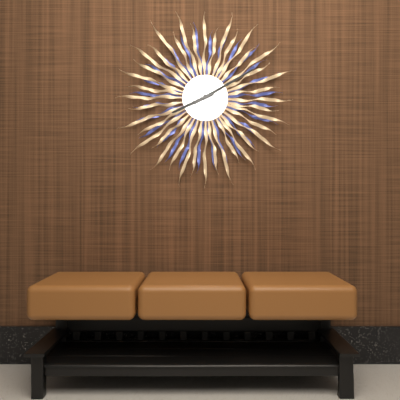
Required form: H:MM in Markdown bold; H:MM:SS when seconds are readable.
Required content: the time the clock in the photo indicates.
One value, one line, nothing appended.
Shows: **8:10**
